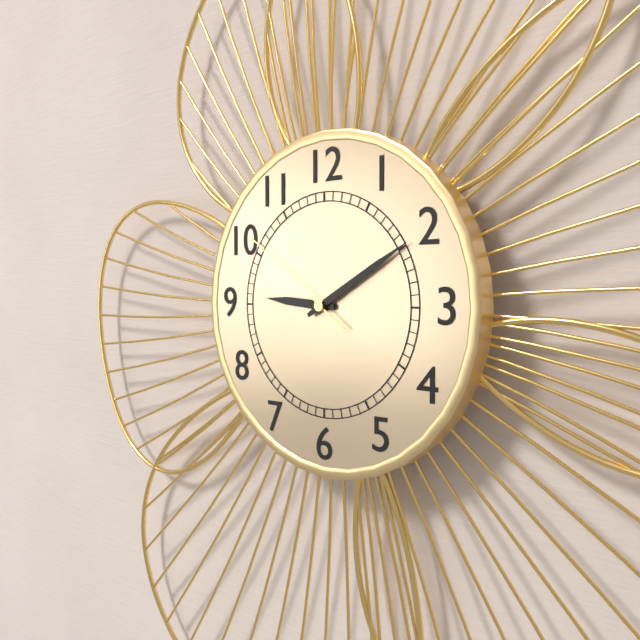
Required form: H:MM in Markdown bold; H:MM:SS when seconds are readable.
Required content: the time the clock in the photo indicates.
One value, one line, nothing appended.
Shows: **9:10:51**
